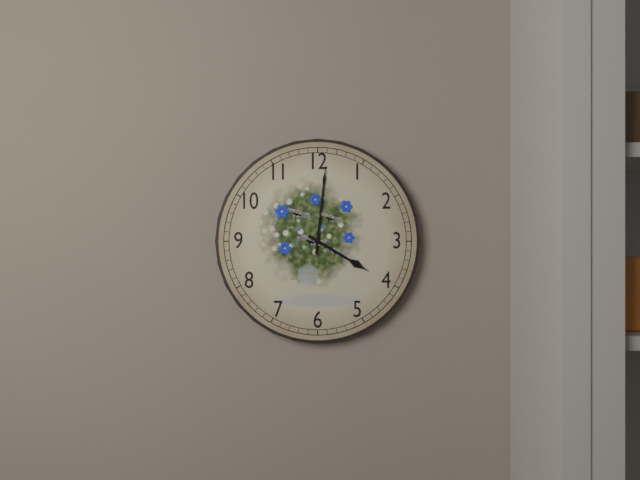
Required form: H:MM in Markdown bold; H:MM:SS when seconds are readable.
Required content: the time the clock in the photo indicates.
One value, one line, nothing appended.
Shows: **4:01**
